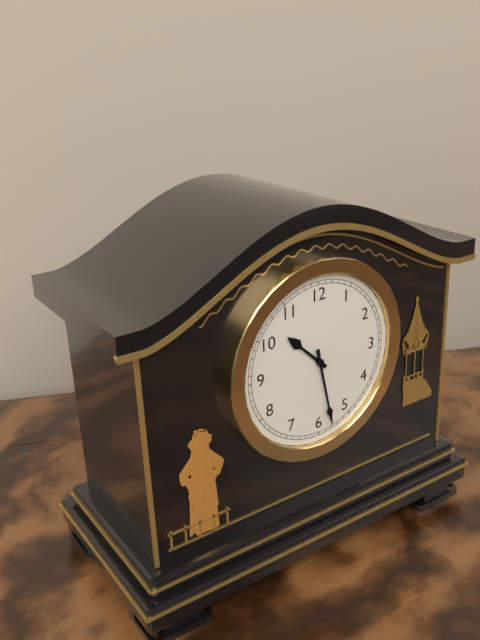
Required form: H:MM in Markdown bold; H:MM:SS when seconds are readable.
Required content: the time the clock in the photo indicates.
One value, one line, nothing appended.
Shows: **10:28**
